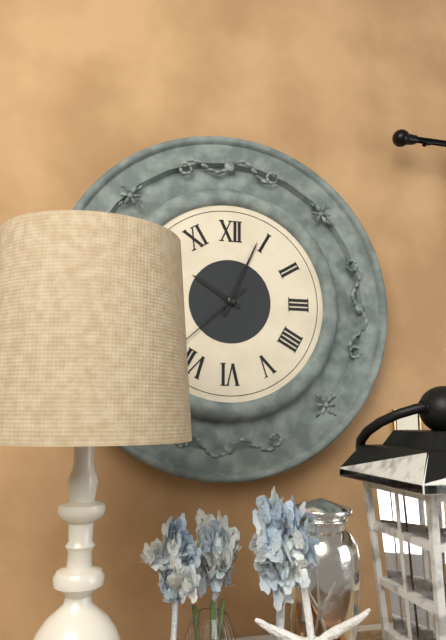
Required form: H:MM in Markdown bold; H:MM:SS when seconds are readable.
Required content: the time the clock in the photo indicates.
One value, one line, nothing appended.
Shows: **10:04:38**
